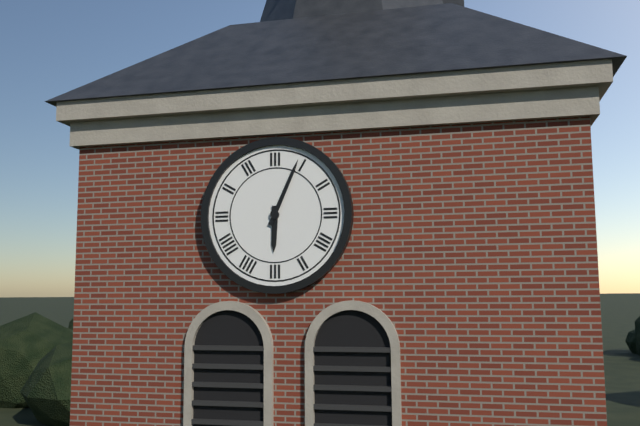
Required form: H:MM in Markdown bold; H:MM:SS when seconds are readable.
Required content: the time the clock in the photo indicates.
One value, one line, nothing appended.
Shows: **6:04**
